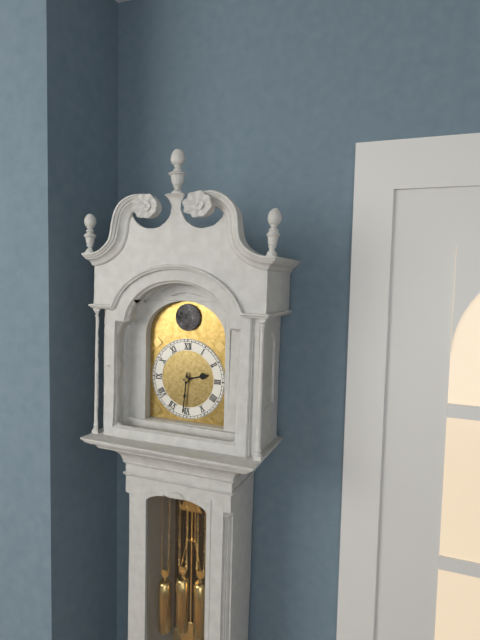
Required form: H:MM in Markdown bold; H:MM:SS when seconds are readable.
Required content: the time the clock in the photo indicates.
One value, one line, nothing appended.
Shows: **2:31**
